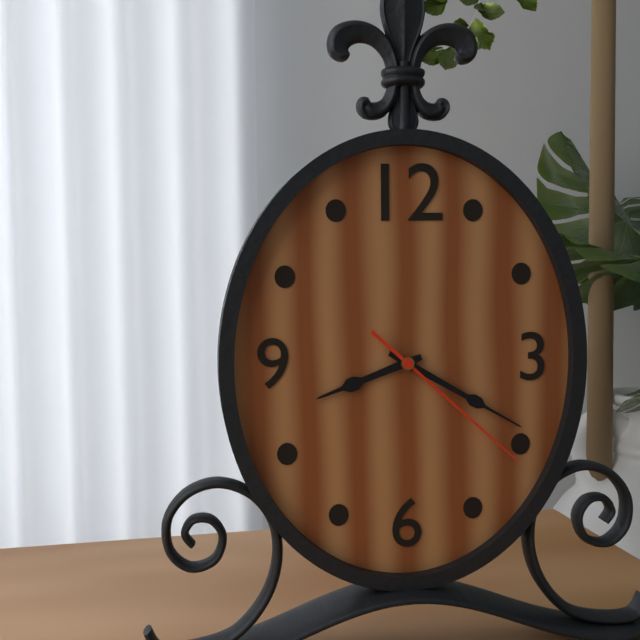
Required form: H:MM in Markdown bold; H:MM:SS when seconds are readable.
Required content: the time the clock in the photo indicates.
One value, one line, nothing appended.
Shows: **8:20:22**
